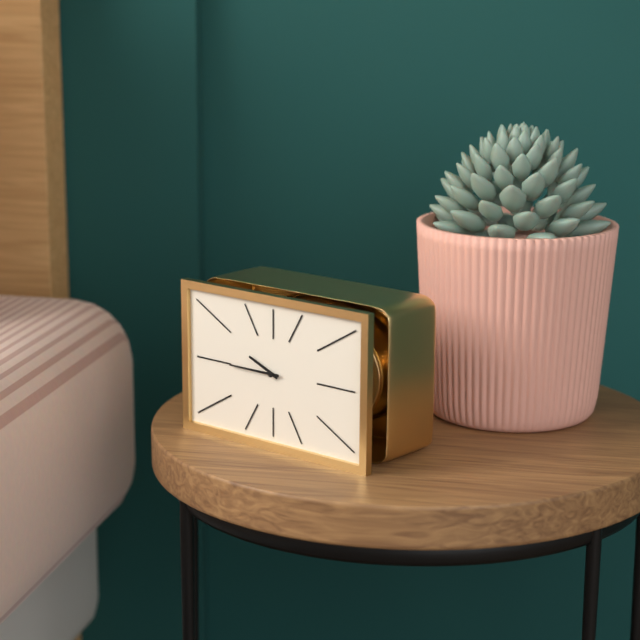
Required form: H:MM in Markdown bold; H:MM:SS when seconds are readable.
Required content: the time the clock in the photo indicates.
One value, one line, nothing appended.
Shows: **9:45**
